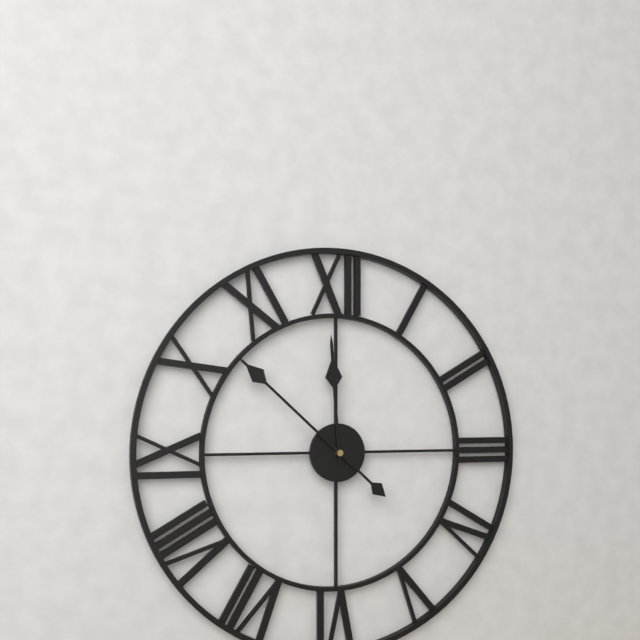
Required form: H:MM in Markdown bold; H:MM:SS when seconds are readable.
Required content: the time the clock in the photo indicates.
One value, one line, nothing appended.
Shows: **11:52**
